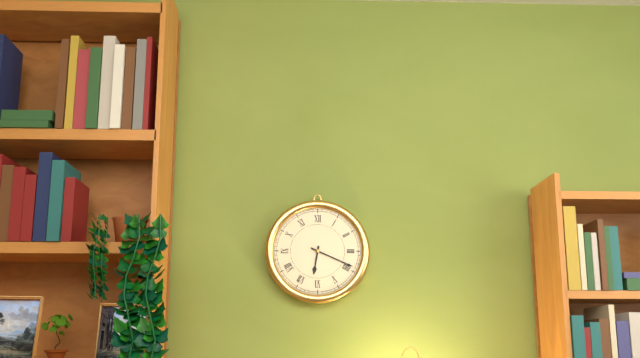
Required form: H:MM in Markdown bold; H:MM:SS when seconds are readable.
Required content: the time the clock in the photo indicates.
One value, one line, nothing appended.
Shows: **6:19**
